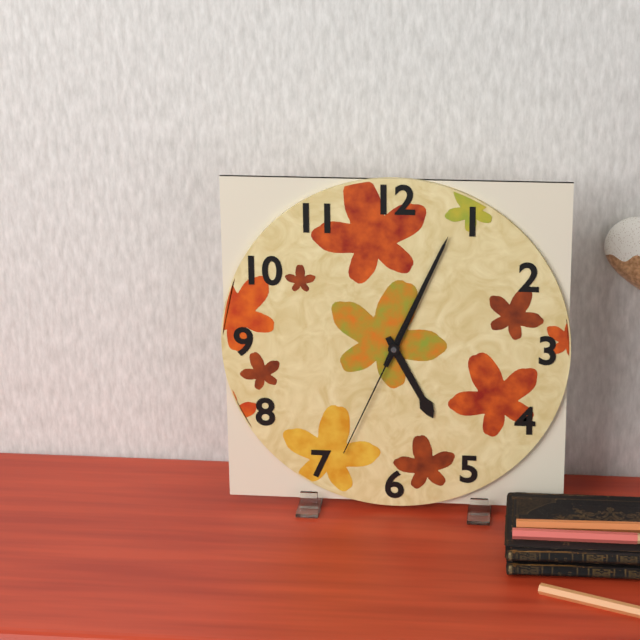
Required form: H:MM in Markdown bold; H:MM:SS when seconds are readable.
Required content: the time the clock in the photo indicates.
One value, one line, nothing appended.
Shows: **5:04:34**
